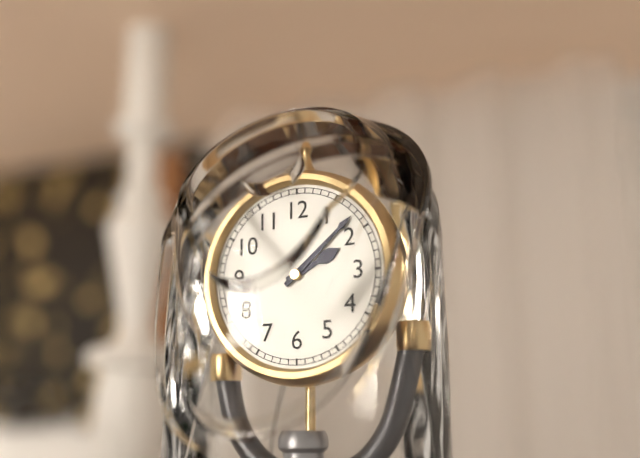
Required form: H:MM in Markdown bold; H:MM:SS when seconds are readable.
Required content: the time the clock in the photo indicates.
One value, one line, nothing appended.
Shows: **2:08**
